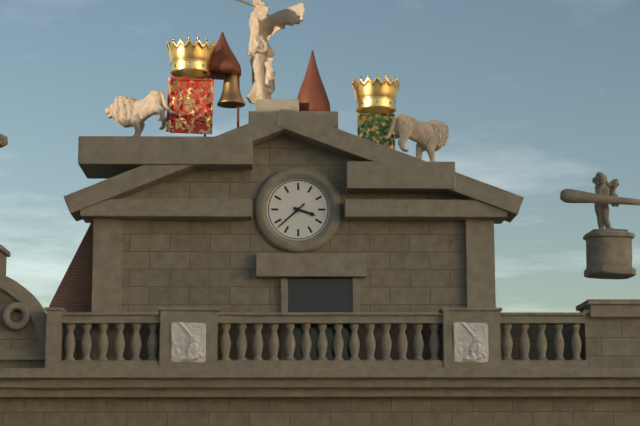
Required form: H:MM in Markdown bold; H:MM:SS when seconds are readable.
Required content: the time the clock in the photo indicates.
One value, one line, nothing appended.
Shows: **3:38**
